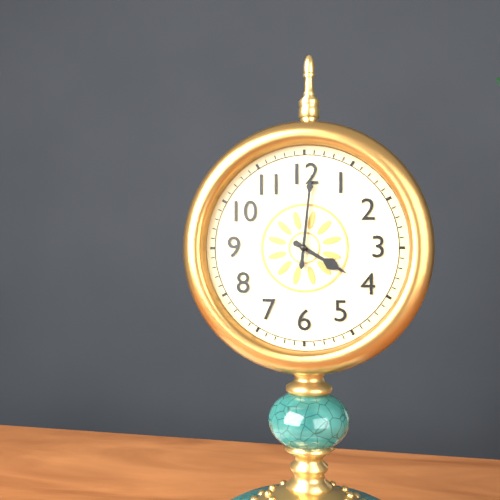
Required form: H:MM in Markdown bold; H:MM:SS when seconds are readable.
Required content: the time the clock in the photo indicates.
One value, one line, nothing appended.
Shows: **4:01**
